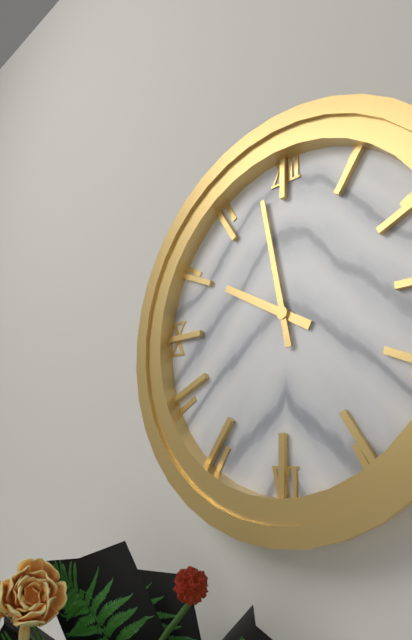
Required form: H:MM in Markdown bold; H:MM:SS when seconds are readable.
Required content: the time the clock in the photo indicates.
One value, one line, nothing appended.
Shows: **9:58**
